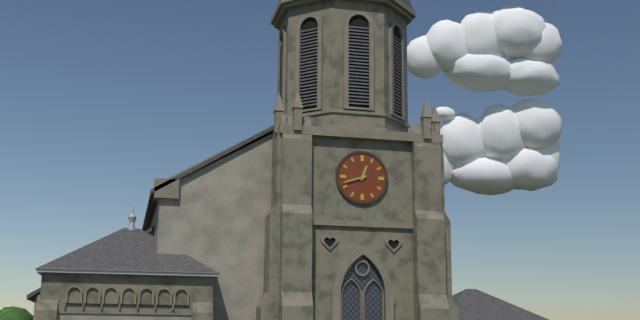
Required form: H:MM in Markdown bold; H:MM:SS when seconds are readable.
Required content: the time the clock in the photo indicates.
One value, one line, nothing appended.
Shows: **12:42**
